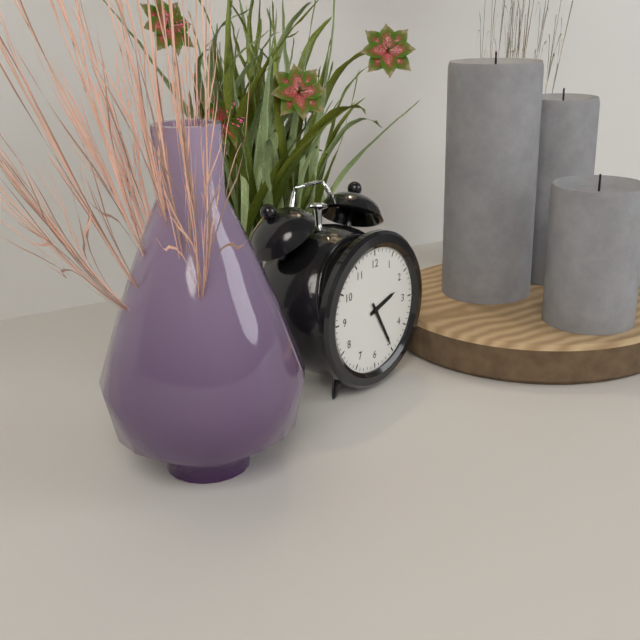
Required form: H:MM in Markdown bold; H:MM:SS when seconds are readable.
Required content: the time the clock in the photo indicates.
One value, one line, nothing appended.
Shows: **2:25**
